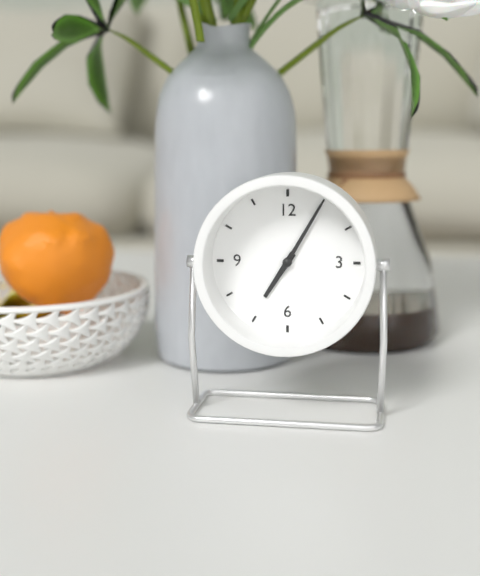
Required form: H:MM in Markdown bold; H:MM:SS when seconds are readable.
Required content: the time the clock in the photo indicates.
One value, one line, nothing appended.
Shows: **7:05**
